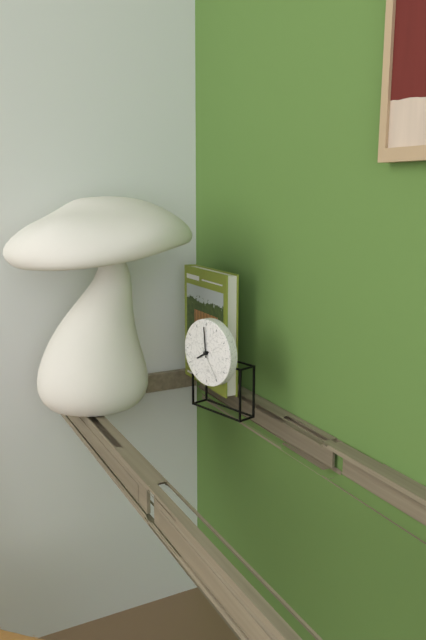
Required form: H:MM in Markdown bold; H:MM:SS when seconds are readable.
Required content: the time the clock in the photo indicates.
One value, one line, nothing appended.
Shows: **7:59**
